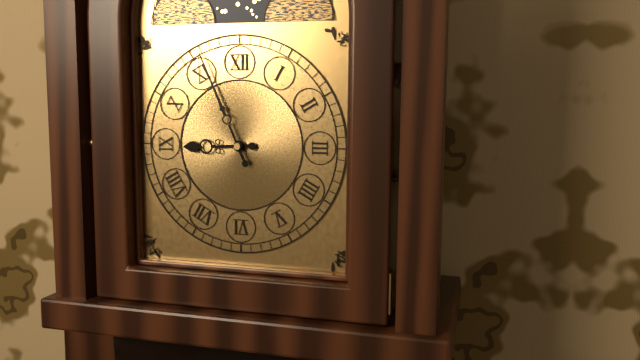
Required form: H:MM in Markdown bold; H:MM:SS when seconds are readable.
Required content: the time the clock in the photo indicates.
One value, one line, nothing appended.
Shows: **8:56**
